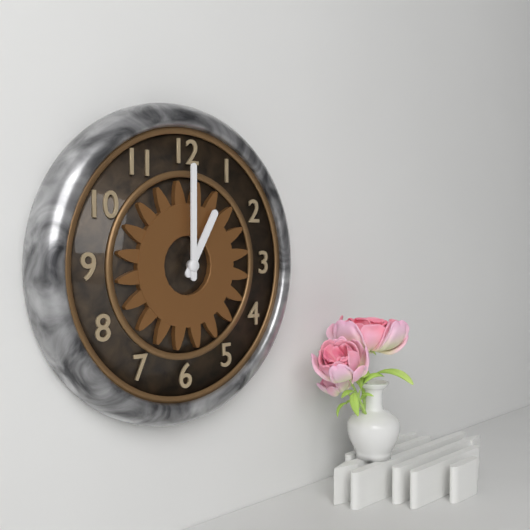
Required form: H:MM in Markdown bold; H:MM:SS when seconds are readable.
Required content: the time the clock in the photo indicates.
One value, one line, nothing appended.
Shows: **1:00**
